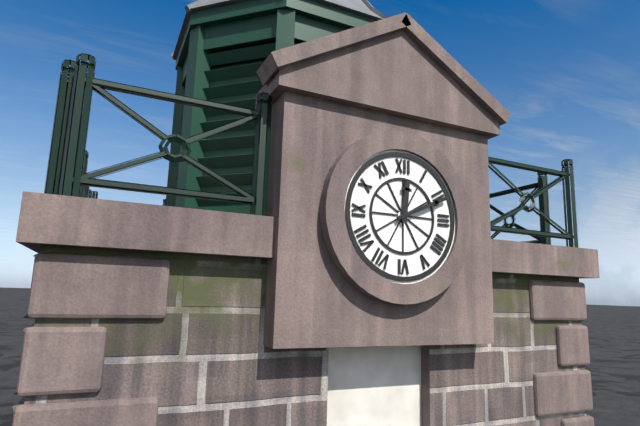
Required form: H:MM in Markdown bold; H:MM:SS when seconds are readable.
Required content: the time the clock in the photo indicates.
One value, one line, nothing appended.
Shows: **12:11**
